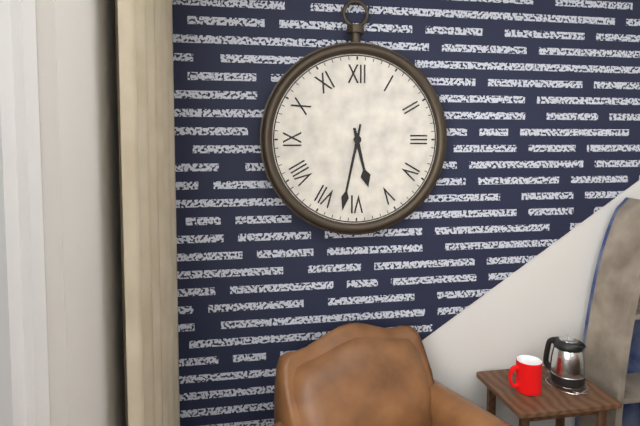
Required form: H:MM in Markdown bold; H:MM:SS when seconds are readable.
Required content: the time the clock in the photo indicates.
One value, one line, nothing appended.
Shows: **5:32**
